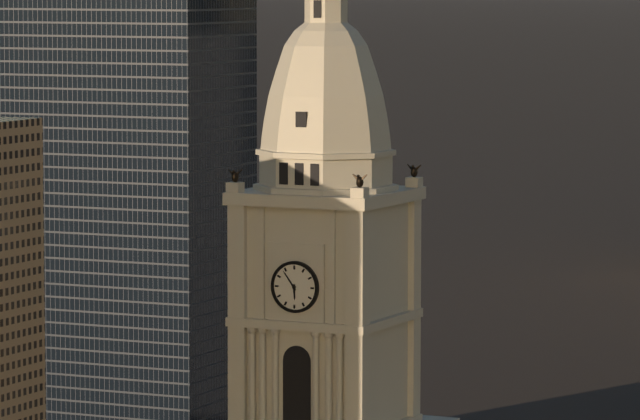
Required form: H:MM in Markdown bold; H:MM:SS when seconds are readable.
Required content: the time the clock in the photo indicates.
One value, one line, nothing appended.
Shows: **5:54**
